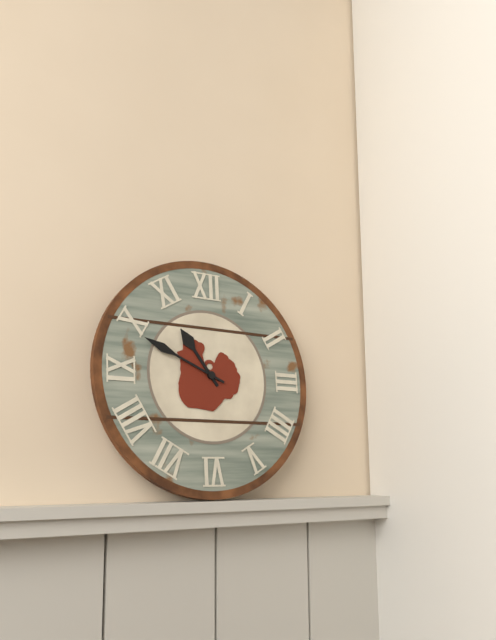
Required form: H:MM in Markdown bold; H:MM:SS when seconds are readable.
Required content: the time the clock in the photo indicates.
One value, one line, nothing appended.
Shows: **10:49**
